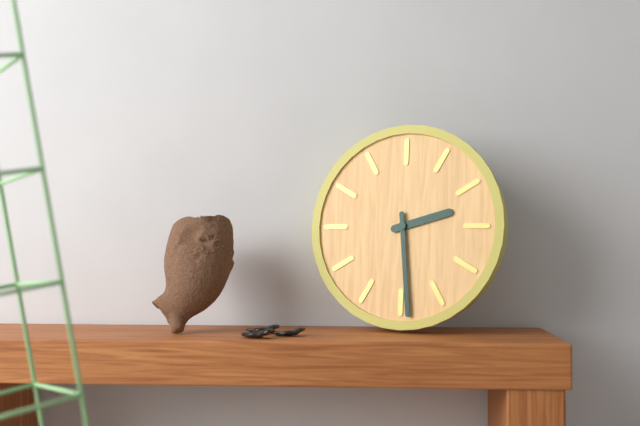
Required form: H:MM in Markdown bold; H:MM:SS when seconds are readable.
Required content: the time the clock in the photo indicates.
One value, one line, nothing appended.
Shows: **2:29**
